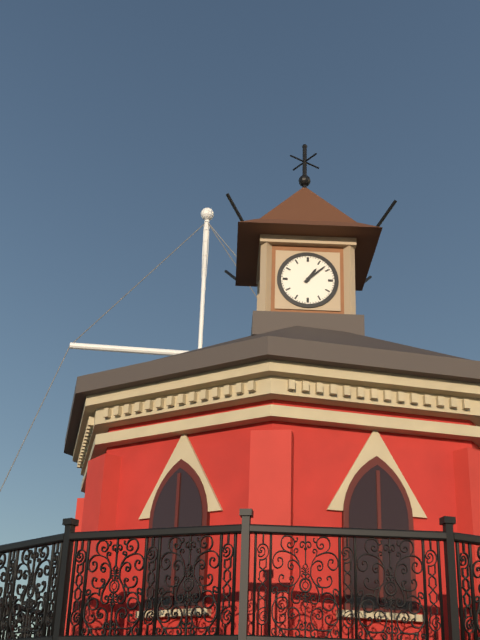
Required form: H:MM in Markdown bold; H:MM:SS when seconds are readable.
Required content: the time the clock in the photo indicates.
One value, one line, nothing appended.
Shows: **1:08**
